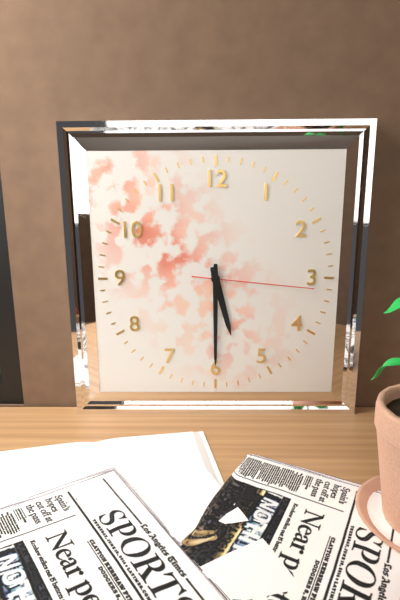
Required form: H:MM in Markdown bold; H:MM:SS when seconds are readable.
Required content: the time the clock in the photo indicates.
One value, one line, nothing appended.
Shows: **5:30:16**
